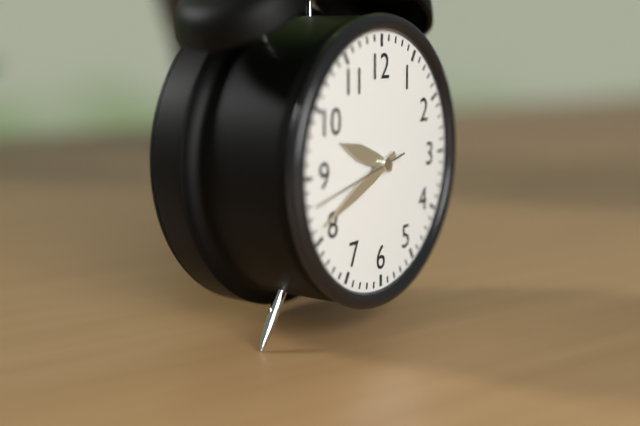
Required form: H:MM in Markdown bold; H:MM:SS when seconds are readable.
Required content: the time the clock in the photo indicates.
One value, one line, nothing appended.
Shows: **9:41:43**
